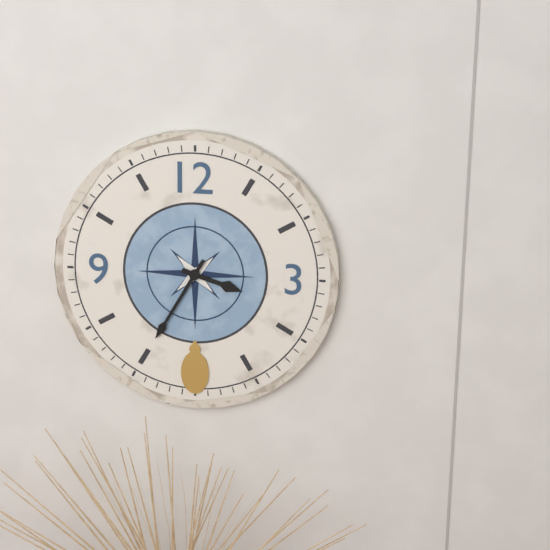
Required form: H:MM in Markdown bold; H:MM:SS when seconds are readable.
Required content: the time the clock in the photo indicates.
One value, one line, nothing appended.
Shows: **3:35**
